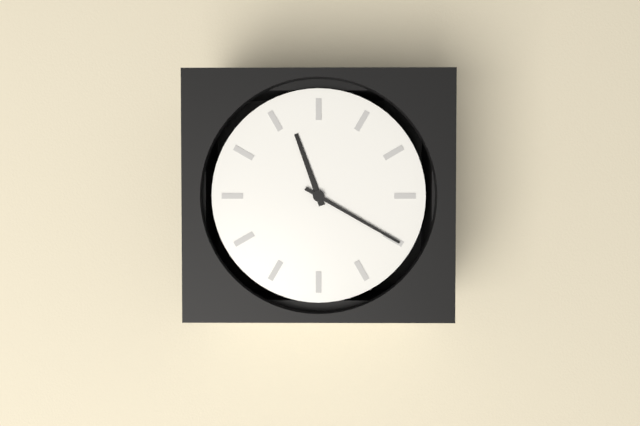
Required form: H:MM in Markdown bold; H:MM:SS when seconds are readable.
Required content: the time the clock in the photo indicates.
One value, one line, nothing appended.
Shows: **11:20**
